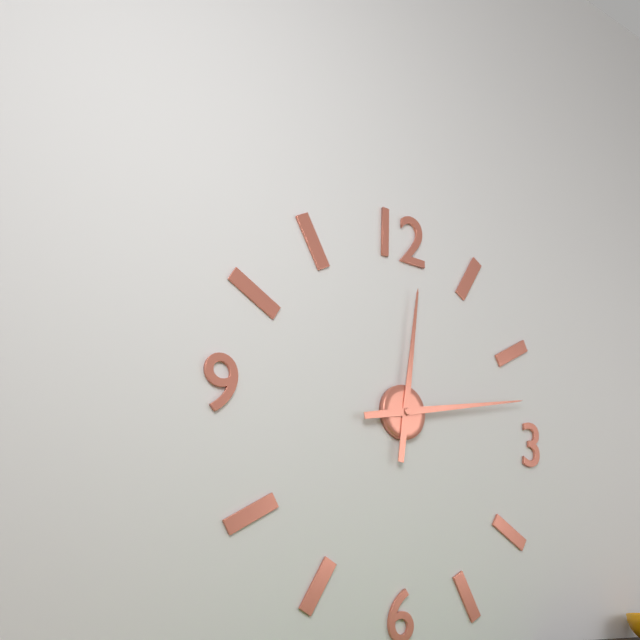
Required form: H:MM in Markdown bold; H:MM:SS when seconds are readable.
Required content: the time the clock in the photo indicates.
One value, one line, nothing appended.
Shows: **12:13**
